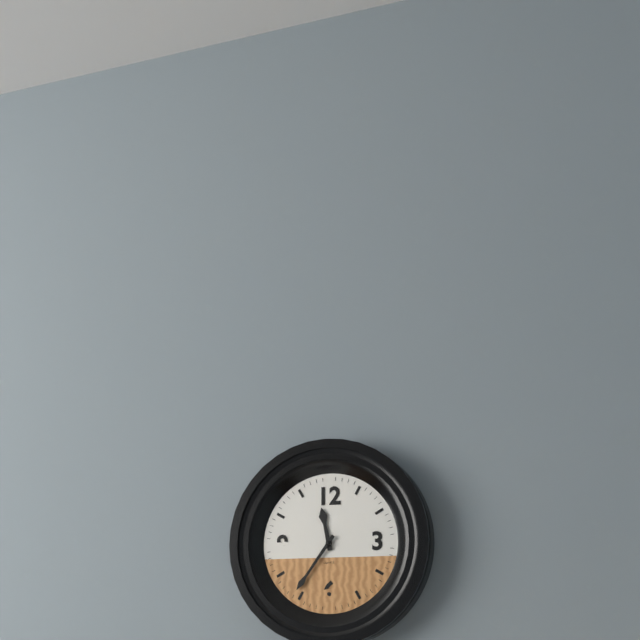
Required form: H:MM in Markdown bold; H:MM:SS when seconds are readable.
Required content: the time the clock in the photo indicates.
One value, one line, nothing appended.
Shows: **11:36**
